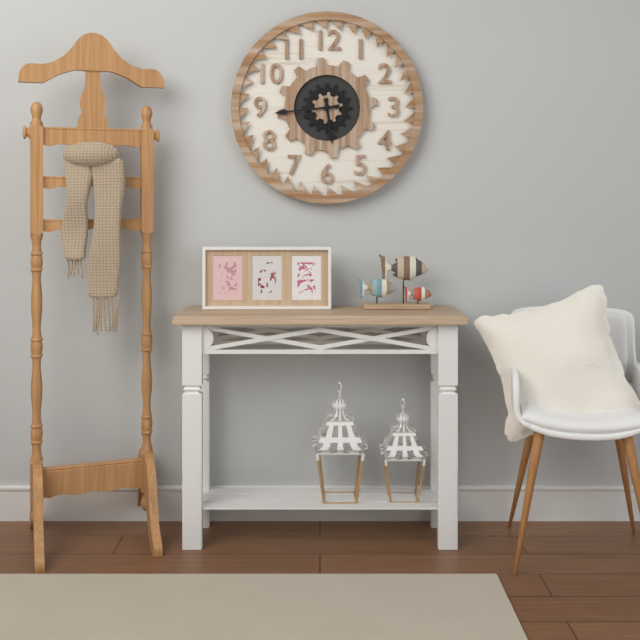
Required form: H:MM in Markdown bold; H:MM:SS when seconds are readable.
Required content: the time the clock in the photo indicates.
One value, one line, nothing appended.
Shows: **5:44**
